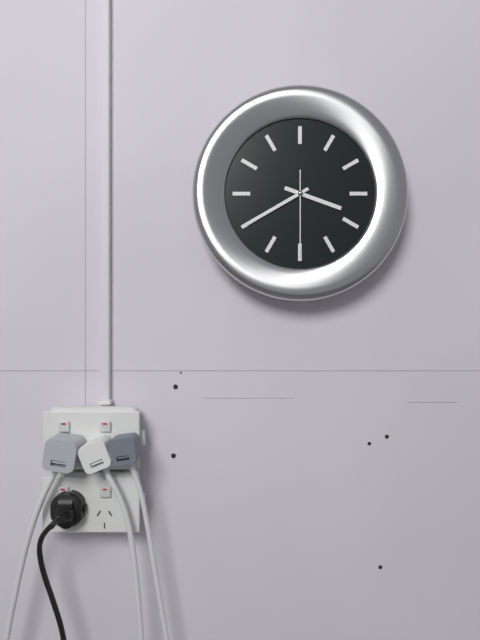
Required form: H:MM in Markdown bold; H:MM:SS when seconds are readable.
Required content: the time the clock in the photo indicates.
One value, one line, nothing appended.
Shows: **3:40:30**
